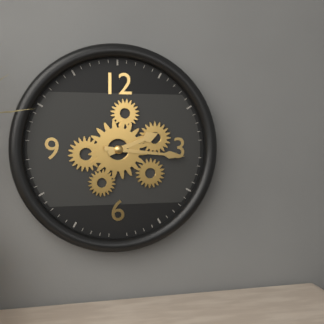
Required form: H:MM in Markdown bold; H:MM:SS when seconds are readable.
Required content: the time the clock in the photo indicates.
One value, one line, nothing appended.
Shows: **2:16**
